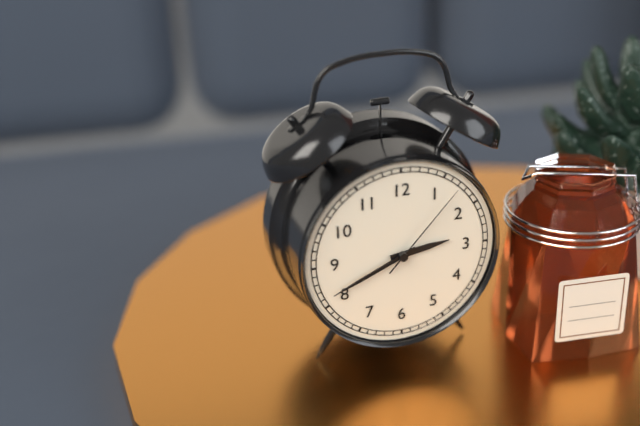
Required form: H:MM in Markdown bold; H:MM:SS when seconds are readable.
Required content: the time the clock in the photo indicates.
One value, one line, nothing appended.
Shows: **2:41:07**
